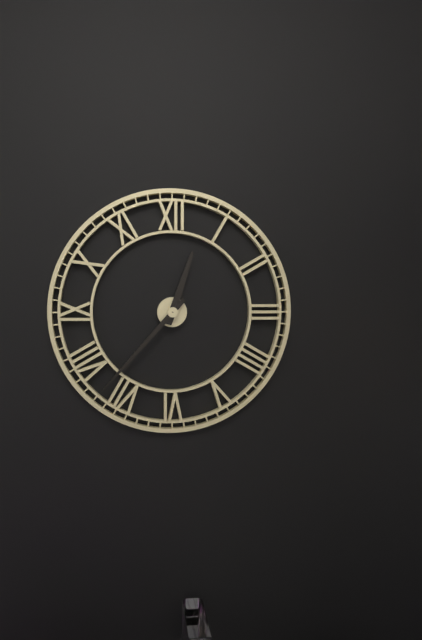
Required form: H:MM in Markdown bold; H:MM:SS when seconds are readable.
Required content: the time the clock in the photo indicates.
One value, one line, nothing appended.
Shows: **12:37**
